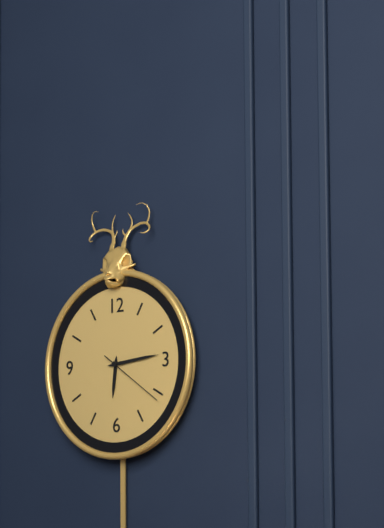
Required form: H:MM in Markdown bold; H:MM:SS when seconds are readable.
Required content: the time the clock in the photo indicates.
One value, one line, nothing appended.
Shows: **6:14:21**
